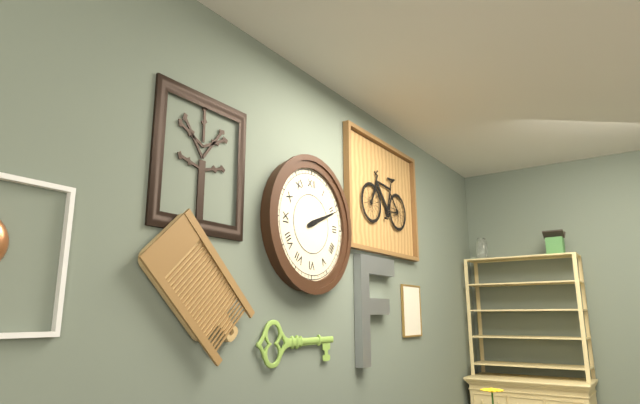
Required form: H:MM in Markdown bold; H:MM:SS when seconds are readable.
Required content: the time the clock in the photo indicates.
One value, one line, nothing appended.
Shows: **2:11**
